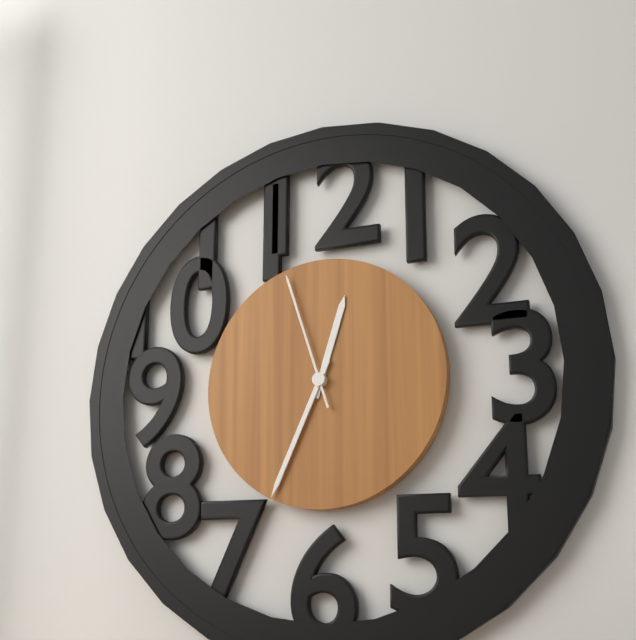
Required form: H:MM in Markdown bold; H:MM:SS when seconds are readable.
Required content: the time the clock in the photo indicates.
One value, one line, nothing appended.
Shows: **12:34:57**
